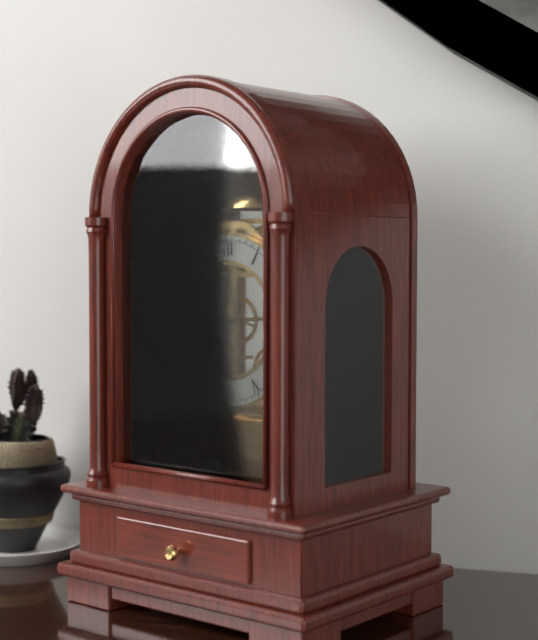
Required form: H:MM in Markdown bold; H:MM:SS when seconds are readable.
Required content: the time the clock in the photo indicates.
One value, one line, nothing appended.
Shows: **8:57**
